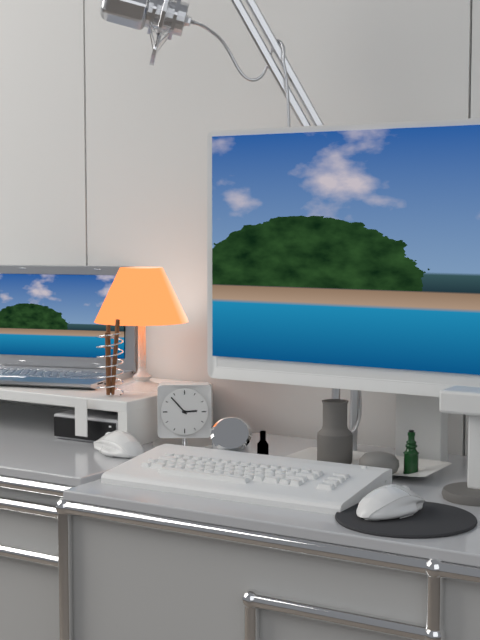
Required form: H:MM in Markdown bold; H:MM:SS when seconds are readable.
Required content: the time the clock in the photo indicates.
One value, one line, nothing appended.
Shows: **2:53**
